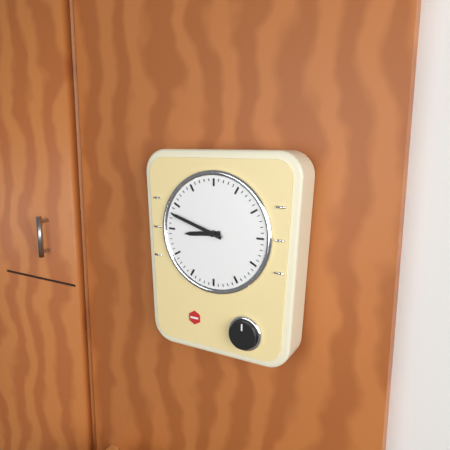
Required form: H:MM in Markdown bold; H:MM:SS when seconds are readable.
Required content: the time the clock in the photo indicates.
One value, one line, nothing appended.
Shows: **8:48**
